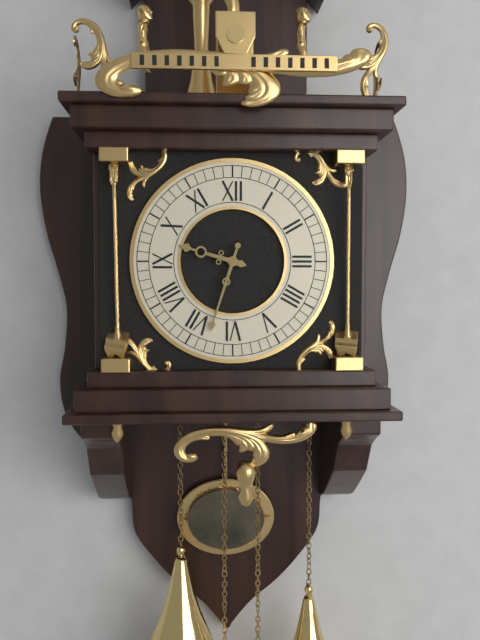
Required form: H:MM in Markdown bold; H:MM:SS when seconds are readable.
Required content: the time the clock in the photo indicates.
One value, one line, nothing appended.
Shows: **9:33**
